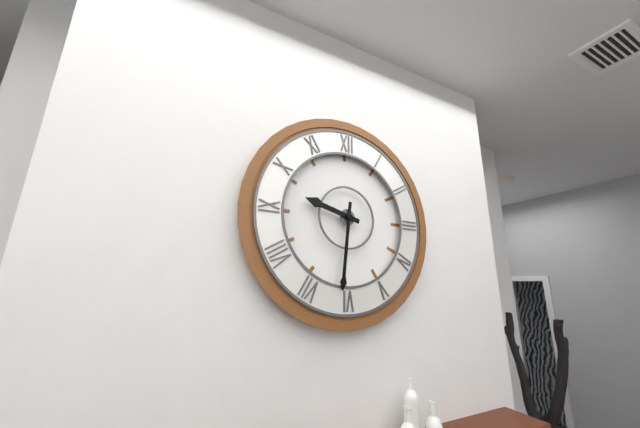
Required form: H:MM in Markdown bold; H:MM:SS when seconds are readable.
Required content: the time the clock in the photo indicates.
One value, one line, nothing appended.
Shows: **9:31**
